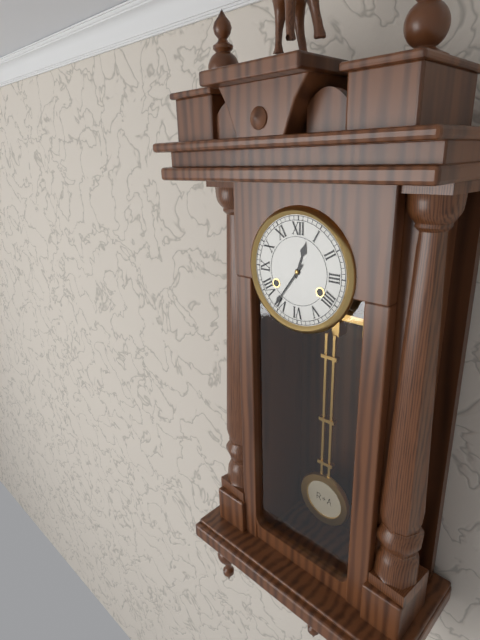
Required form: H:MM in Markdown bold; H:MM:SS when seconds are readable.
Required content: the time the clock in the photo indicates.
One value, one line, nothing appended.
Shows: **12:36**
